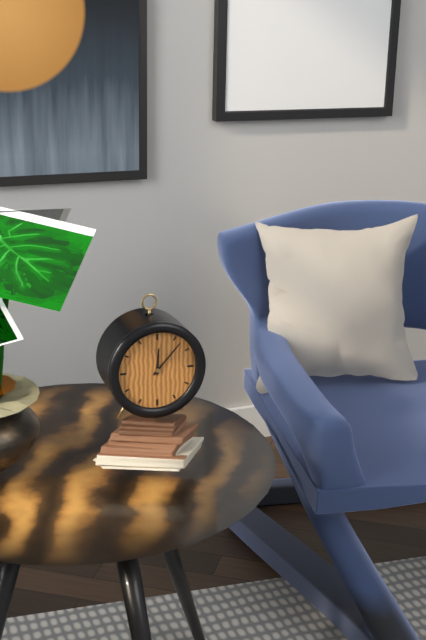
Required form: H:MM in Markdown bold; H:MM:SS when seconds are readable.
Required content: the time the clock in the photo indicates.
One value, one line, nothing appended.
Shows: **12:07**
